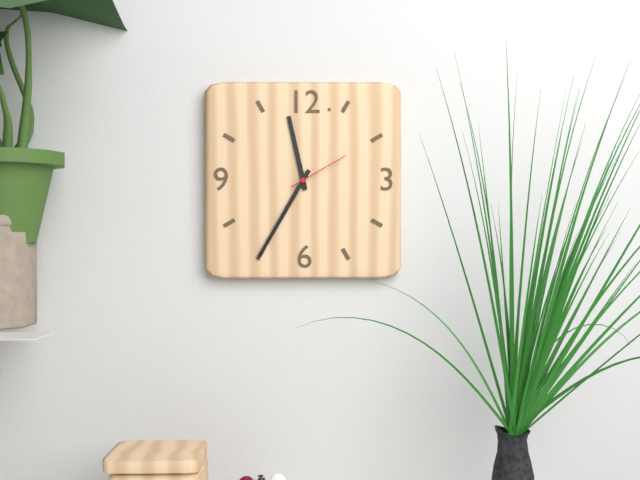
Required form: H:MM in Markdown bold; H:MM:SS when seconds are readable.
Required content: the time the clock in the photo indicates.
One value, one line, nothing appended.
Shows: **11:35:10**
